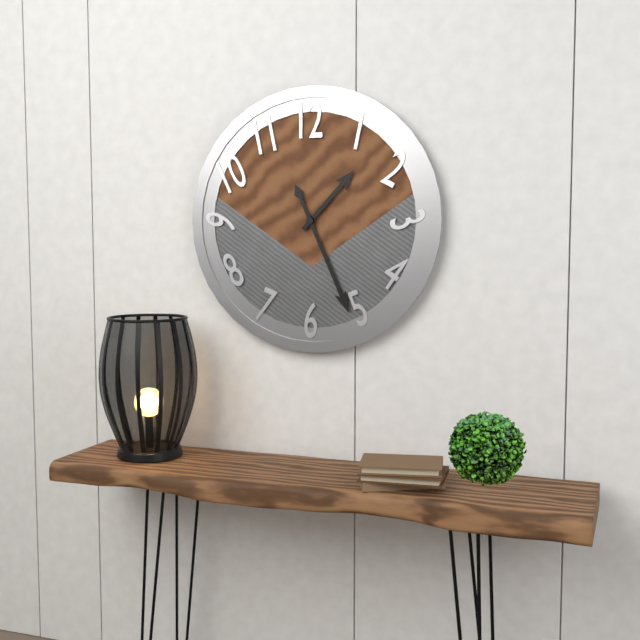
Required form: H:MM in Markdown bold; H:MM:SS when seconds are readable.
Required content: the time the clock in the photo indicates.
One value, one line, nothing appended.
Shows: **1:26**
